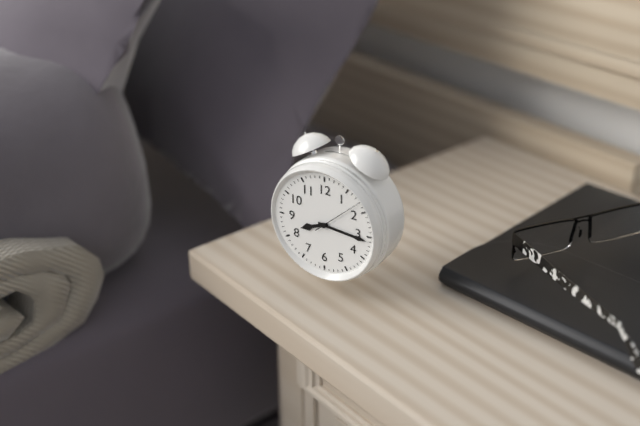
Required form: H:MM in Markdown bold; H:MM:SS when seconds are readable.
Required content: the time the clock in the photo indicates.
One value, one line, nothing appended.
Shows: **8:16:08**
